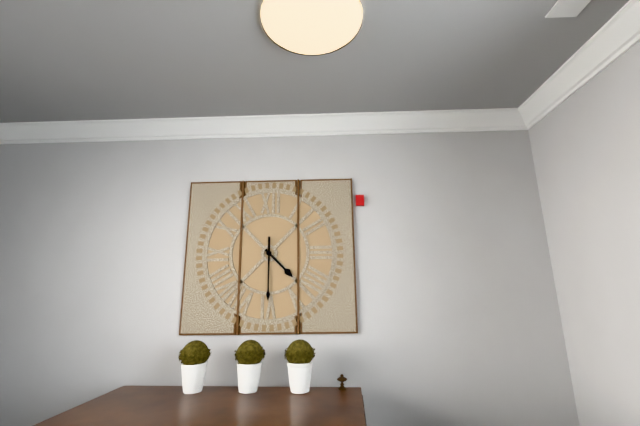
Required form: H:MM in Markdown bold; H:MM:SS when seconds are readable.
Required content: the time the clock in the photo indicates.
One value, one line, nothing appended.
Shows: **4:30**
